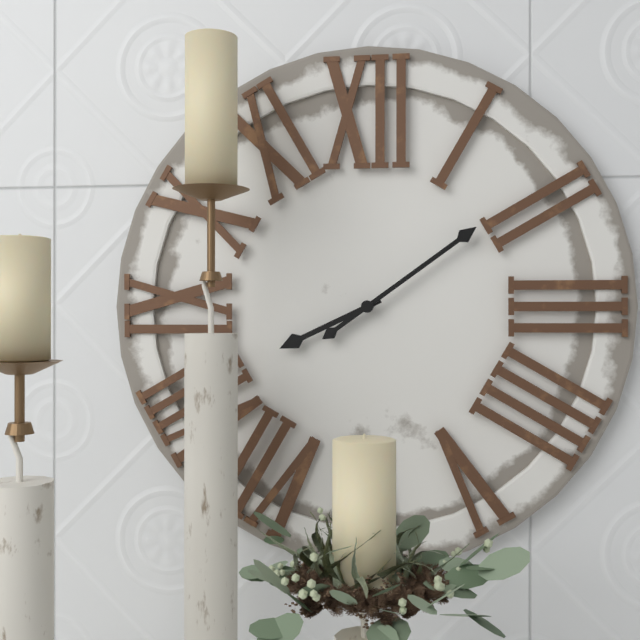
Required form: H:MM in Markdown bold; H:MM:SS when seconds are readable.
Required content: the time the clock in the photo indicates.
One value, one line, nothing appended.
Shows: **8:09**
